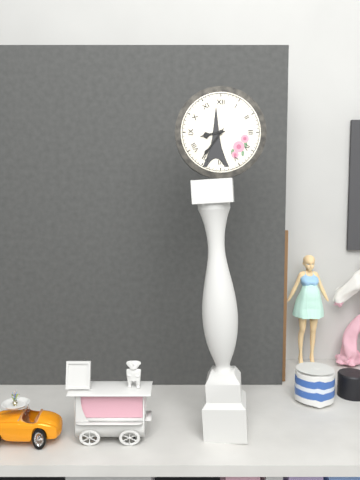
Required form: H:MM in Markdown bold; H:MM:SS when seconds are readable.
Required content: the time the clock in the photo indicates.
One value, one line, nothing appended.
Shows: **8:36**
